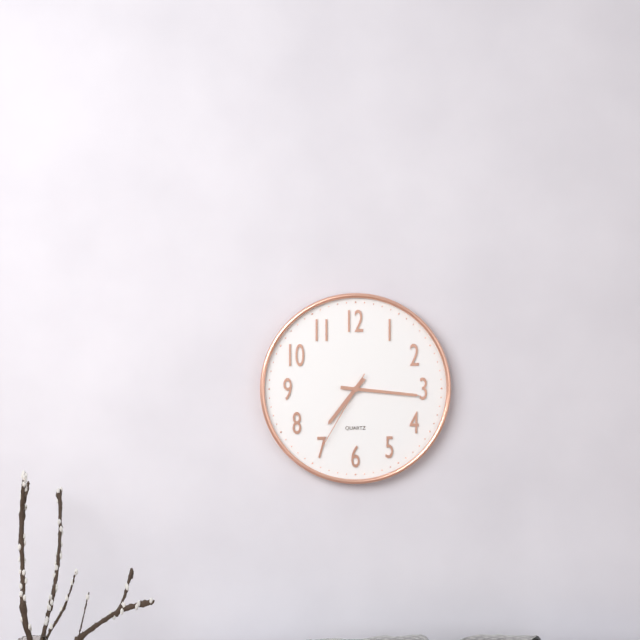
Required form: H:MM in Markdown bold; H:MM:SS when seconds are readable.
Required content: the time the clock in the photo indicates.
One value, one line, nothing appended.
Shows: **7:16:35**
